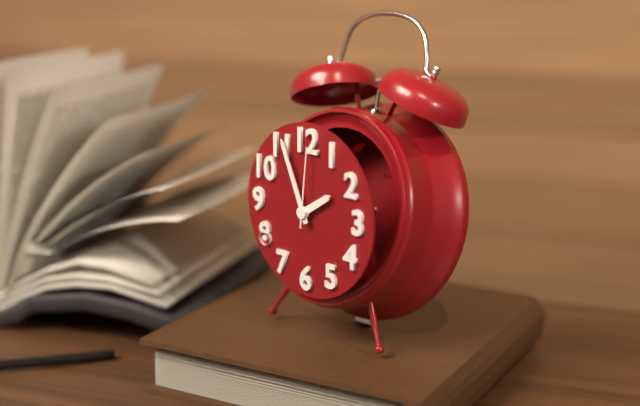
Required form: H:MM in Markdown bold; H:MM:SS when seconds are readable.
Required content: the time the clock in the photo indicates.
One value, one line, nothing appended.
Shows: **1:56:01**
